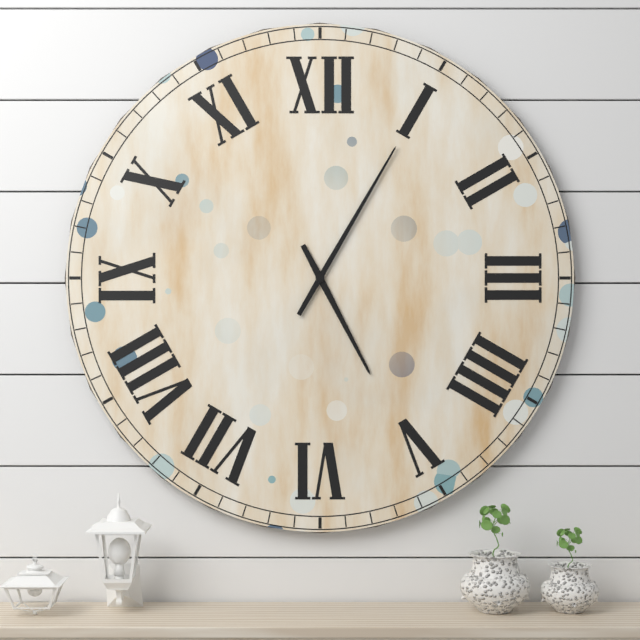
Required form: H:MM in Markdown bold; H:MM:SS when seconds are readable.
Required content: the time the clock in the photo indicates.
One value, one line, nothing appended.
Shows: **5:05**
